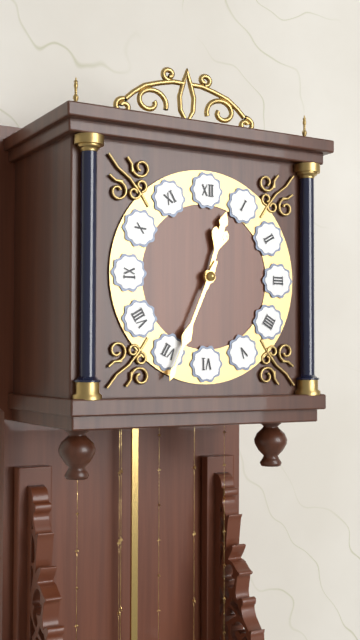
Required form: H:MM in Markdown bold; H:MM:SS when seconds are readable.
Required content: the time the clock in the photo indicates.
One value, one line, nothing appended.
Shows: **12:34**
